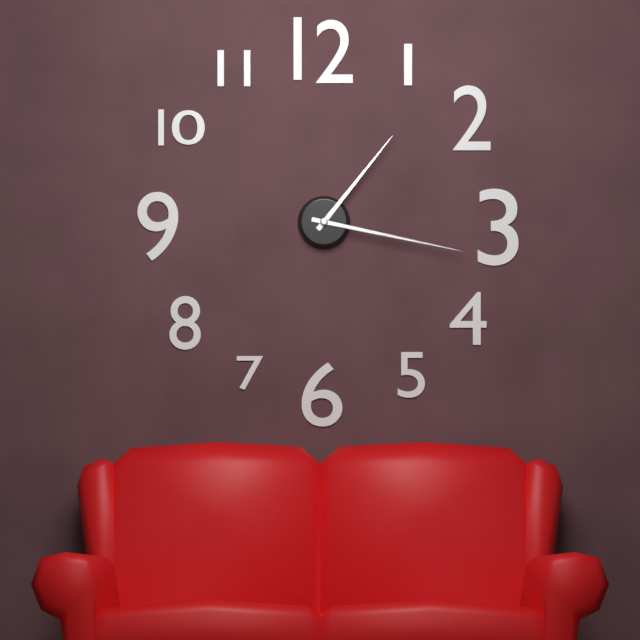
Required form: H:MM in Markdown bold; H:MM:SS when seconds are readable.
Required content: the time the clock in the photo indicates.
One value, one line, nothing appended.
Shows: **1:17**
